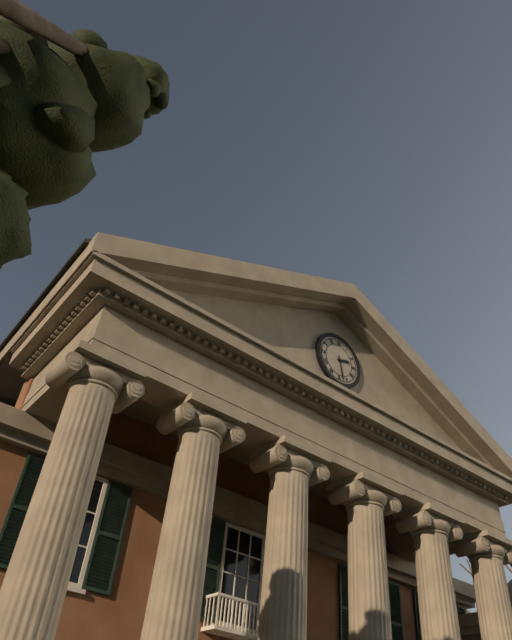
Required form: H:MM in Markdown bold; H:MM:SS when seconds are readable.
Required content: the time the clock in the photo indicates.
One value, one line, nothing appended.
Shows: **2:28**
